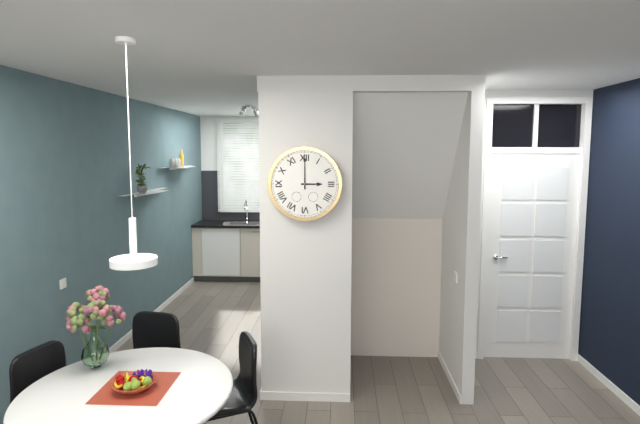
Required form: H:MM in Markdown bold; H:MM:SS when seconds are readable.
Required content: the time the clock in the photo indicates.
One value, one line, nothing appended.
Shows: **3:00**
